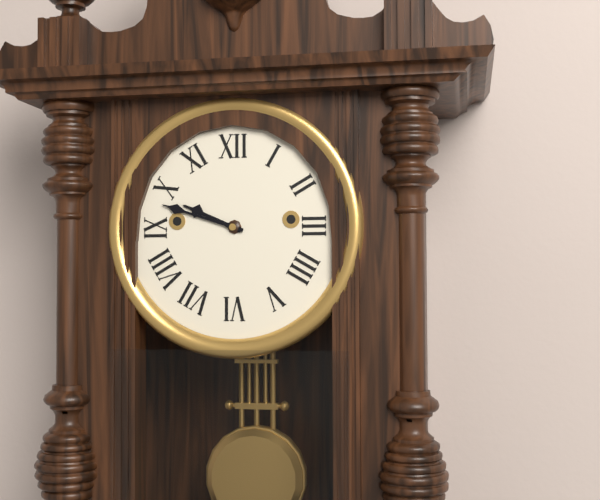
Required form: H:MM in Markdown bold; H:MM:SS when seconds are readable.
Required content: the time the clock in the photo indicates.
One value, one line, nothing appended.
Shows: **9:48**
